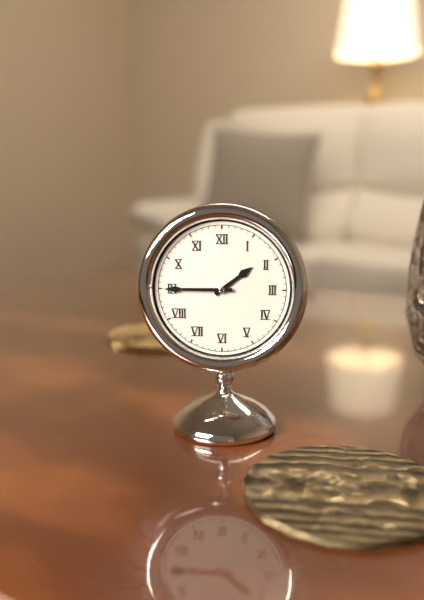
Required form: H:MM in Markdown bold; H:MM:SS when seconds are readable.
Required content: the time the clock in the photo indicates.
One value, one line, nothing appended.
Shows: **1:45**
